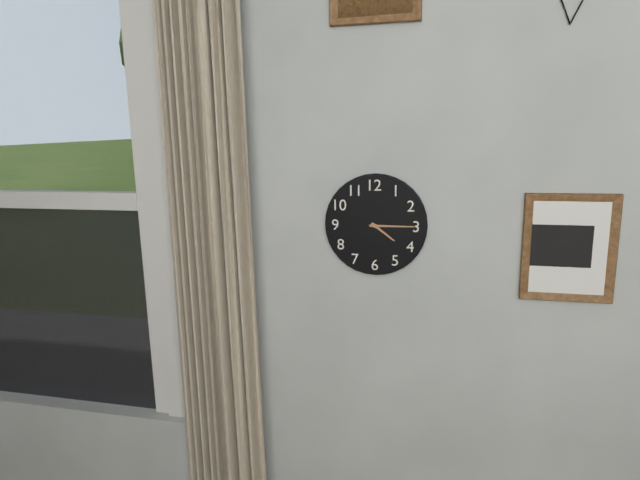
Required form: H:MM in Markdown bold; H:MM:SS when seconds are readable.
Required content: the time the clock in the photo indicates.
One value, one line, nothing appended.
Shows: **4:15**
